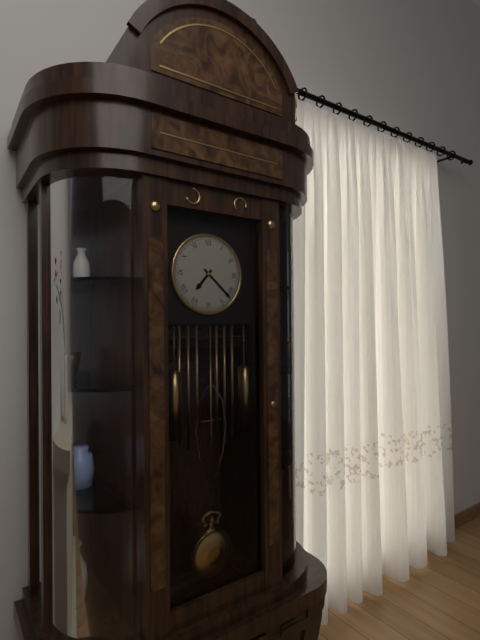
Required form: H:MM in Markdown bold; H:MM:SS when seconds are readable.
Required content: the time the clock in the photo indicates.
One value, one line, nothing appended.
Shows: **7:22**
